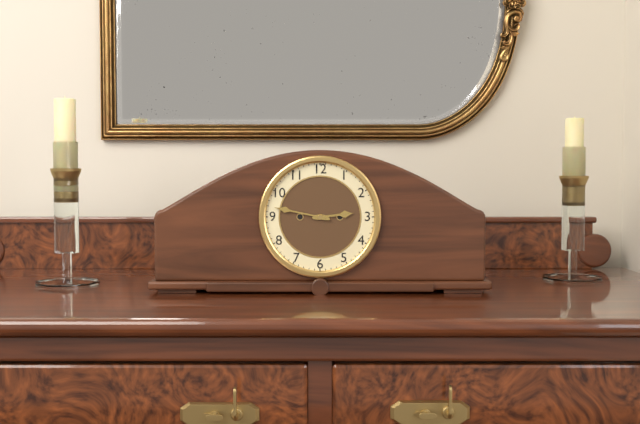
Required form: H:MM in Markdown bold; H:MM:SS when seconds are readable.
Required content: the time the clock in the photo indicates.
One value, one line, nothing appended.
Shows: **2:47**
